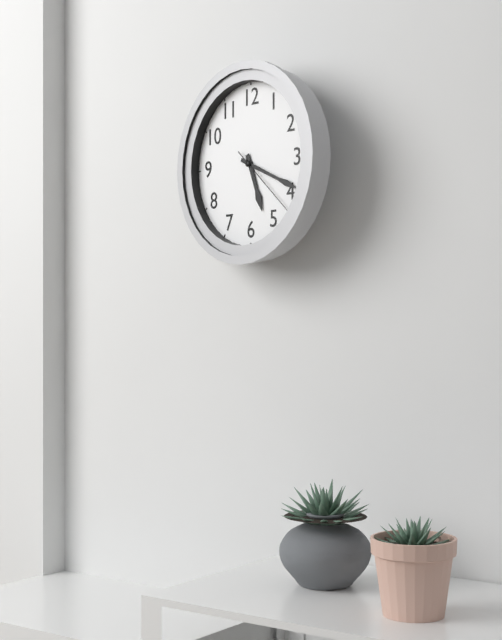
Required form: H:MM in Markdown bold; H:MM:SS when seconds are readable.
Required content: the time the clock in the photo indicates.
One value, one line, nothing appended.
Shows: **5:19:22**
